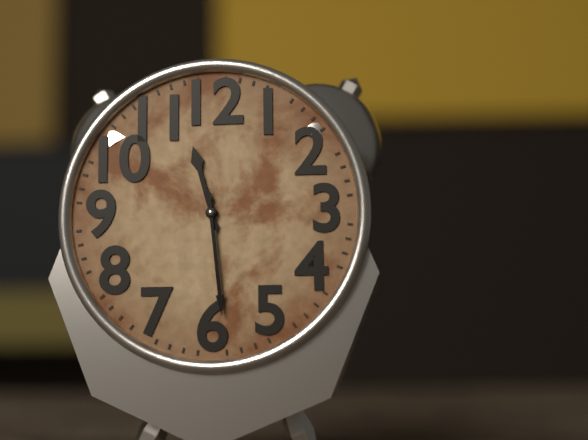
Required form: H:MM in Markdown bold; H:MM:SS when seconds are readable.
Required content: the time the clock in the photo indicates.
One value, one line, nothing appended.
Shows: **11:29**
